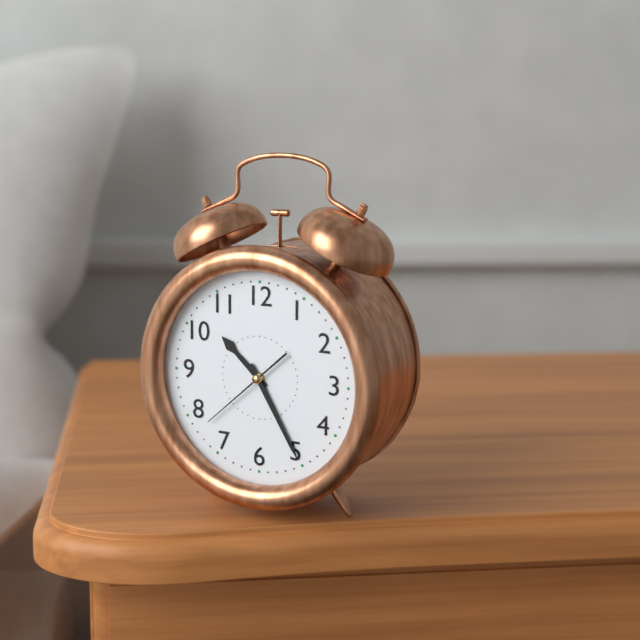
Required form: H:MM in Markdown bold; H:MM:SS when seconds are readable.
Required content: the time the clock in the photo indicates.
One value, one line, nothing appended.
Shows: **10:25:38**
